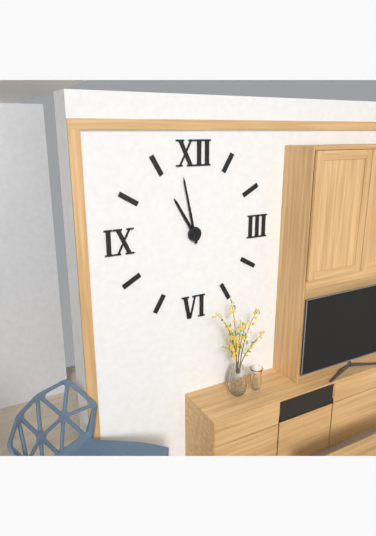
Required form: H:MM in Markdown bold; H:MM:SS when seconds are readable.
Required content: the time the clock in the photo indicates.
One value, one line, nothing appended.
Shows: **10:58**
